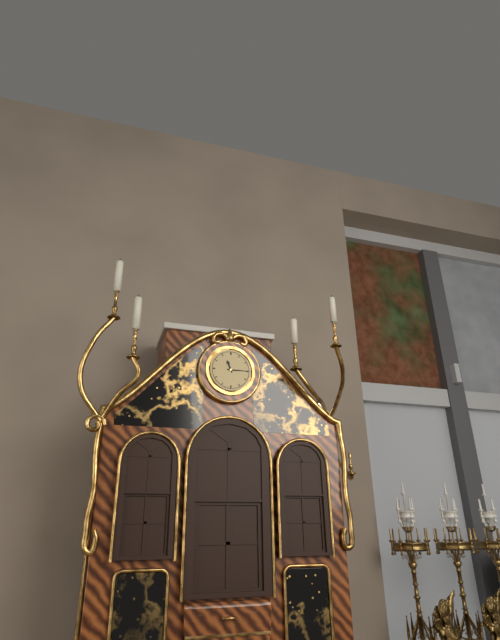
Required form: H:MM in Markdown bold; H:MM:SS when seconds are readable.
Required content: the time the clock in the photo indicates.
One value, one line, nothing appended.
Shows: **11:15**
